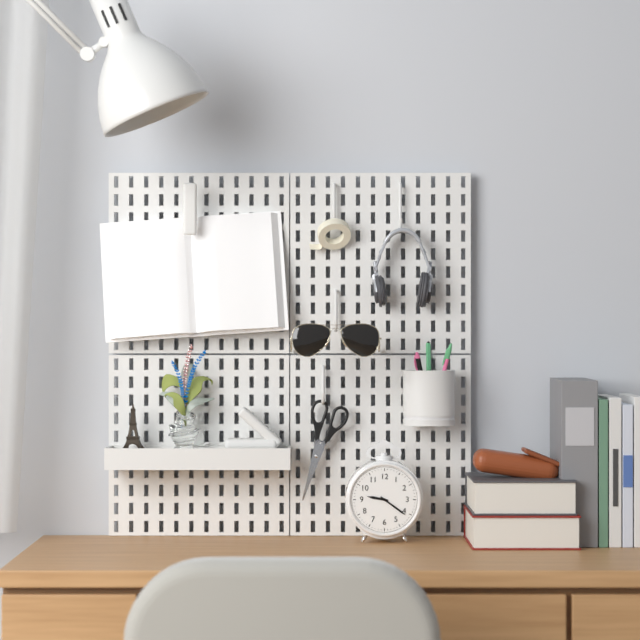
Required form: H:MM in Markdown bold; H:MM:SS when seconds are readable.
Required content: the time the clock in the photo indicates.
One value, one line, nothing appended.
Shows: **9:21**
